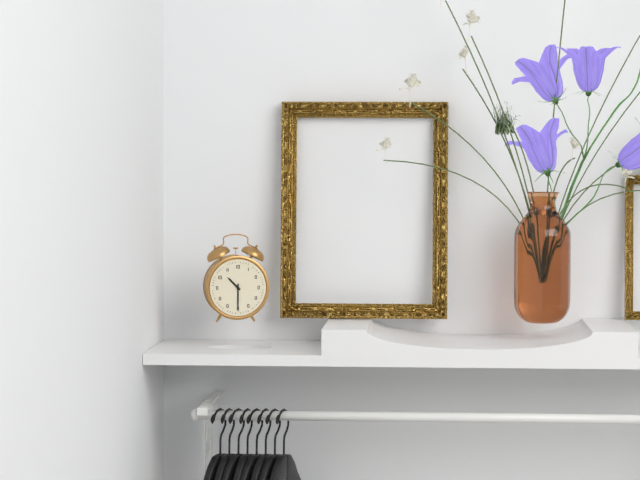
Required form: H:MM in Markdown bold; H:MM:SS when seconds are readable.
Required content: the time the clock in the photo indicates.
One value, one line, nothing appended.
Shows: **10:30**
